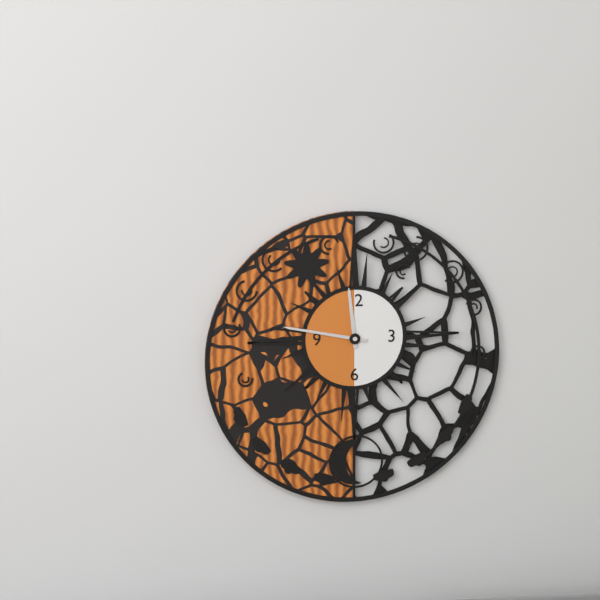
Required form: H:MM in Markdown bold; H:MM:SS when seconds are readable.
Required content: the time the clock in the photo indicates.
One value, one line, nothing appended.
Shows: **11:47**
